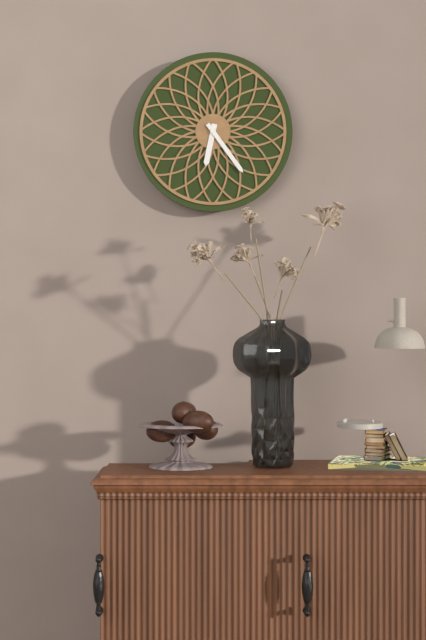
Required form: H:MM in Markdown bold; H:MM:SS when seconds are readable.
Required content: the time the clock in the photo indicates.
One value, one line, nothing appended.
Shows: **6:24**
